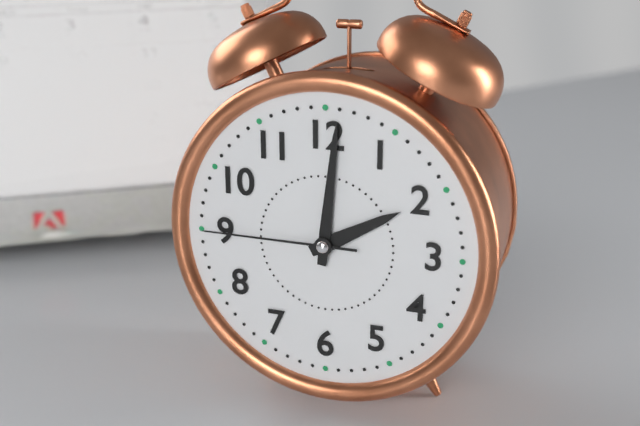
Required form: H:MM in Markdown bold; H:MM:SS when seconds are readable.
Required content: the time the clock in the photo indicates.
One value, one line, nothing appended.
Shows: **2:01:45**
